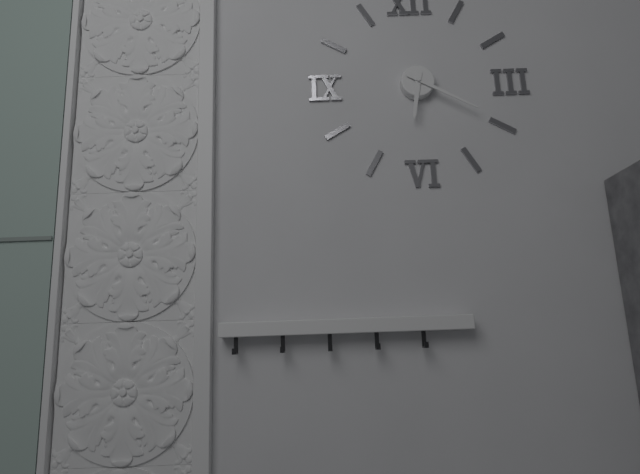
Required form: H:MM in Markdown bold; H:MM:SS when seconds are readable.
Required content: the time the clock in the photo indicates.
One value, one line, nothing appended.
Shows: **6:20**
